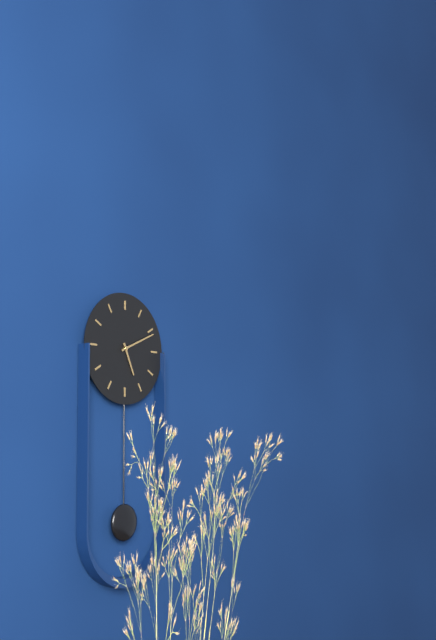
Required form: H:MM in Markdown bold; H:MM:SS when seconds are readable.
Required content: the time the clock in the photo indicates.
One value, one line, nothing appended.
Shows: **5:11**
